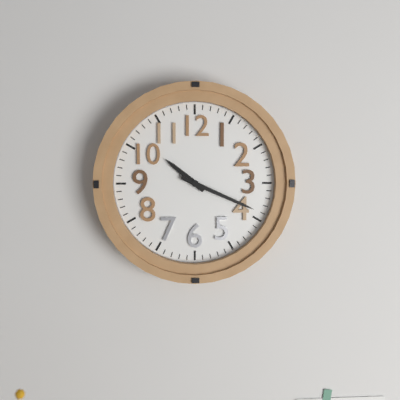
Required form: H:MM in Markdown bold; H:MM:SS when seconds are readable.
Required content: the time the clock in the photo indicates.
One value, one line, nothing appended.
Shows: **10:19**
